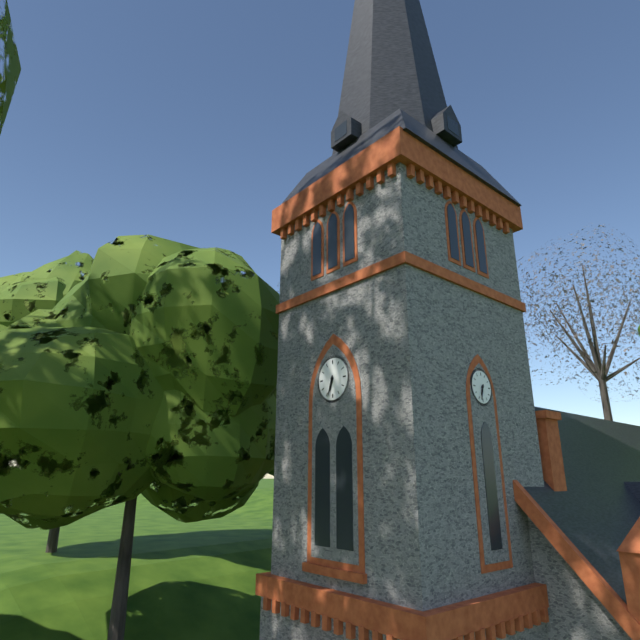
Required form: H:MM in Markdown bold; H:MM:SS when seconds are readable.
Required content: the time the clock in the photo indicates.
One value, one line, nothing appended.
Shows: **6:33**
